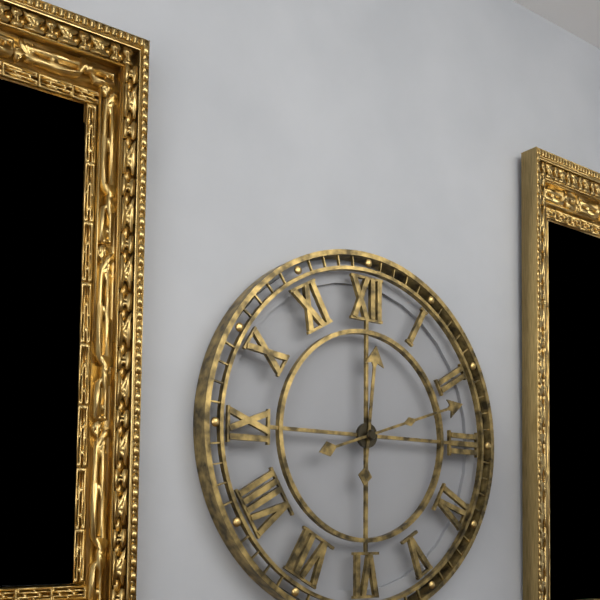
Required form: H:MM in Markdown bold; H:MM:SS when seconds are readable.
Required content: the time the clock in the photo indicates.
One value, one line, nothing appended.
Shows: **12:12**
